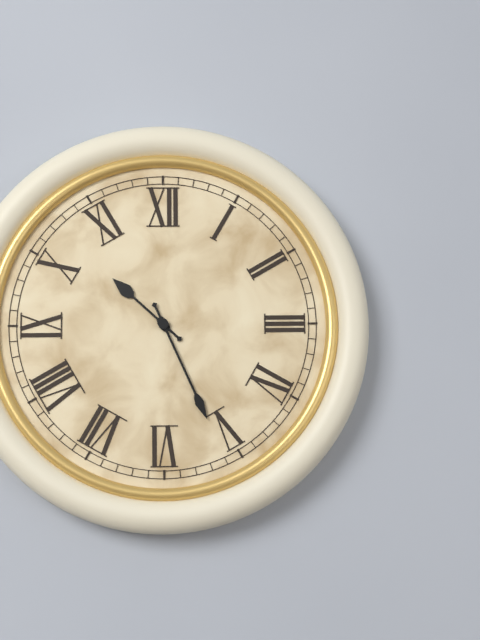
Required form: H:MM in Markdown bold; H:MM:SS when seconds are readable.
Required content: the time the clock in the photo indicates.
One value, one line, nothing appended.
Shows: **10:26**
